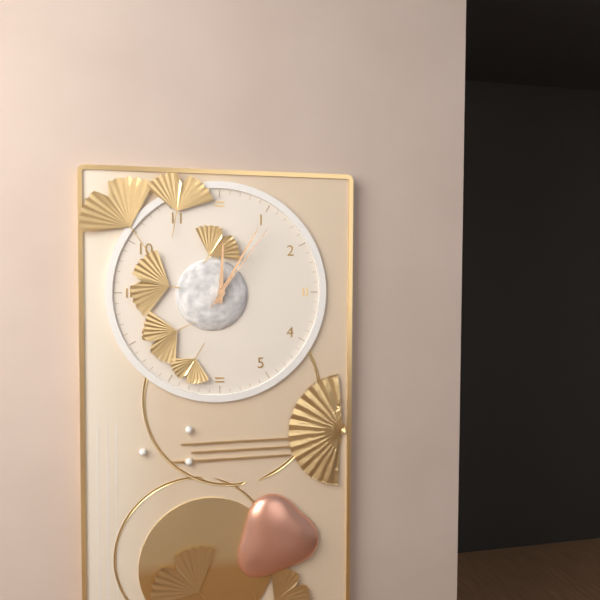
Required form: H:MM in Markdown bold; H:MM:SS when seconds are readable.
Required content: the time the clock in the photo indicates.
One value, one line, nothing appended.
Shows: **12:05:06**
